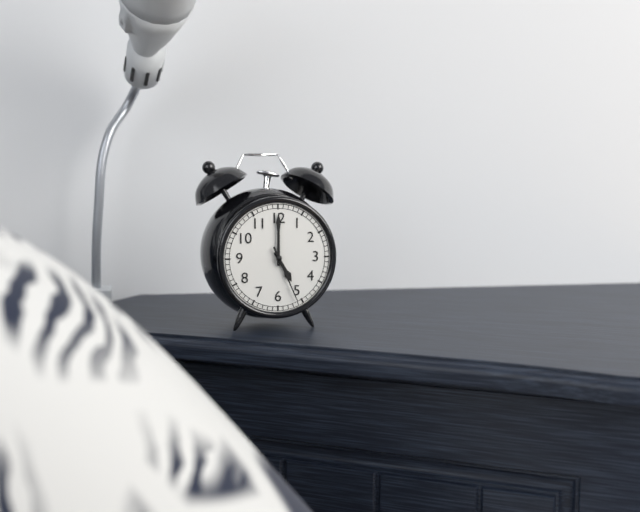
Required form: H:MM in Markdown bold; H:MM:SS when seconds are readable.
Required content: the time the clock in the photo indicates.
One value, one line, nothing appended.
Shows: **5:00:26**
